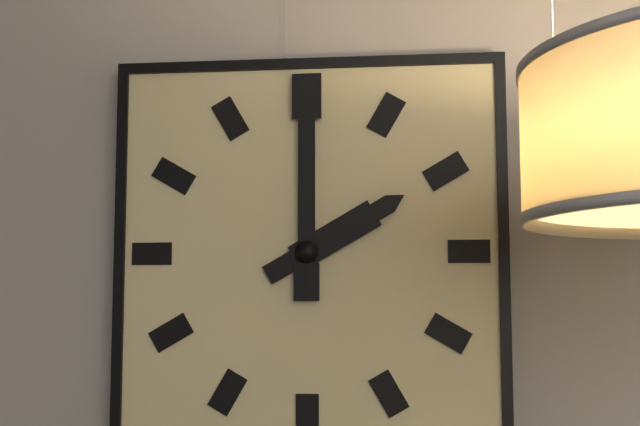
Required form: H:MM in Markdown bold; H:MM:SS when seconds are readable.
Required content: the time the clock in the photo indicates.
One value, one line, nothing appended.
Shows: **2:00**
